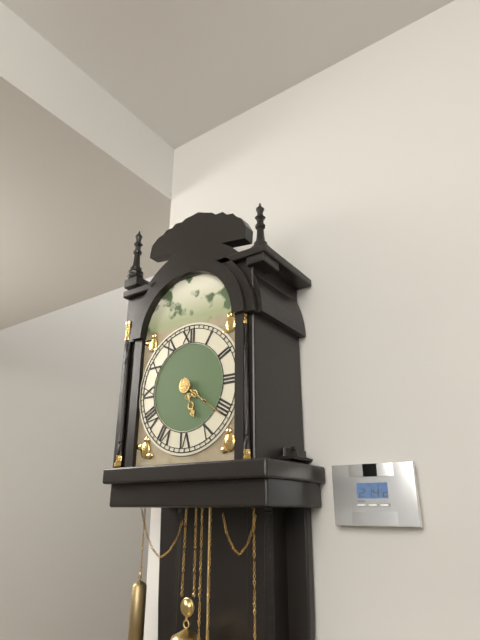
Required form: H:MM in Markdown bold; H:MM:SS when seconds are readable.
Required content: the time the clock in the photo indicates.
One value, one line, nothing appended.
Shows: **5:21**
